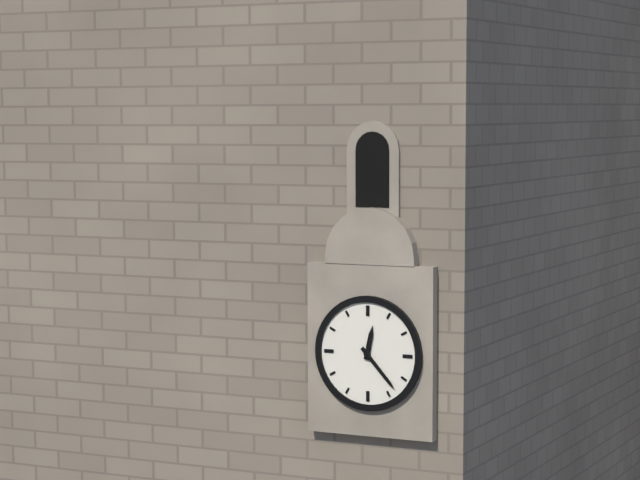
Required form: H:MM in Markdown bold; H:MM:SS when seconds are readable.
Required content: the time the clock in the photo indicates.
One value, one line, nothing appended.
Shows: **12:23**
